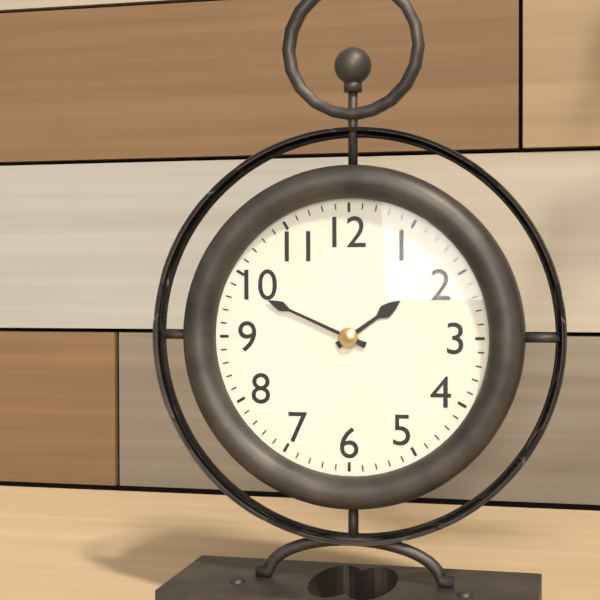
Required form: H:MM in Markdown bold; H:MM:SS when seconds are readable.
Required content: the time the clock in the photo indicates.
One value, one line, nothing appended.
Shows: **1:49**
